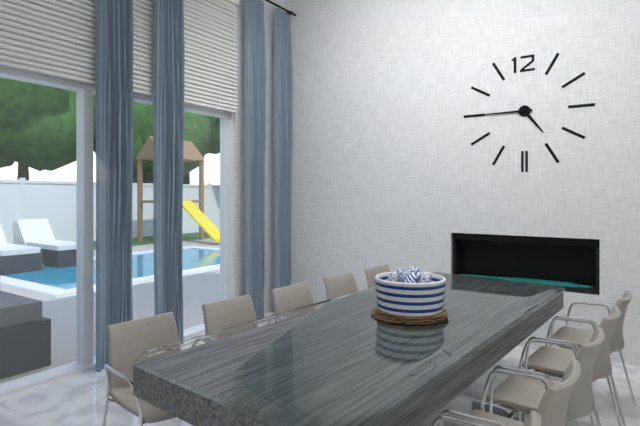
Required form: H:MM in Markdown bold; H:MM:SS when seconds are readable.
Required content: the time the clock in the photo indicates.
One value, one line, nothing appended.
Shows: **4:45**
